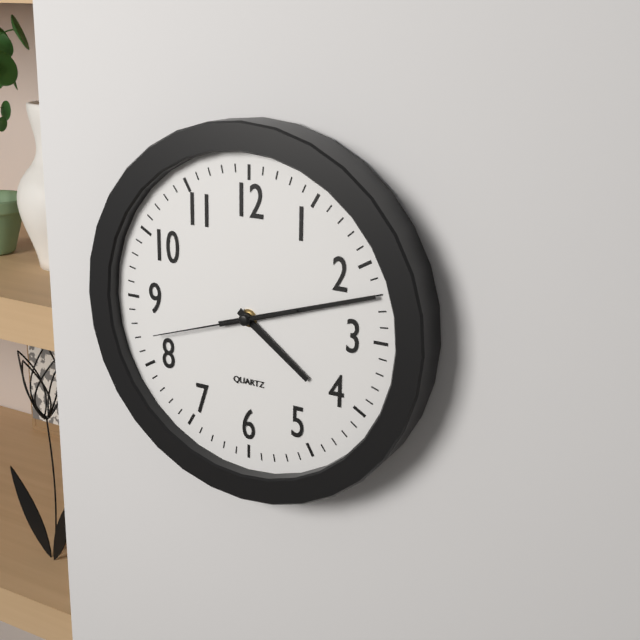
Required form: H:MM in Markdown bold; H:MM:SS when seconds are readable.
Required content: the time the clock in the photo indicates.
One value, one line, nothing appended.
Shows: **4:12:42**
